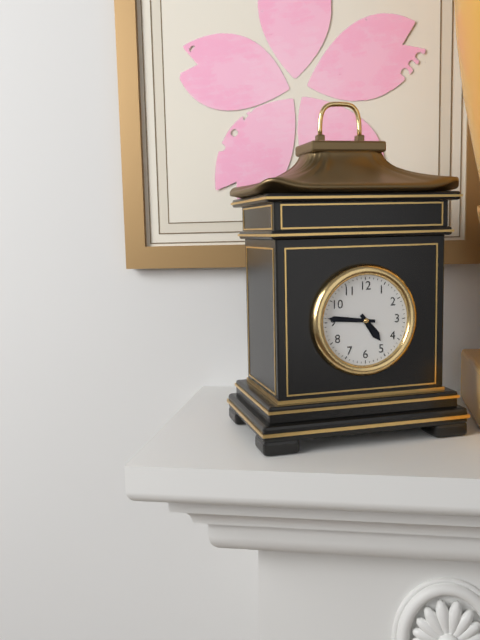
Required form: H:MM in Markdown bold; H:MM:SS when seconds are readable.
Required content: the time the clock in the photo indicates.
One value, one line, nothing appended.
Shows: **4:46**
